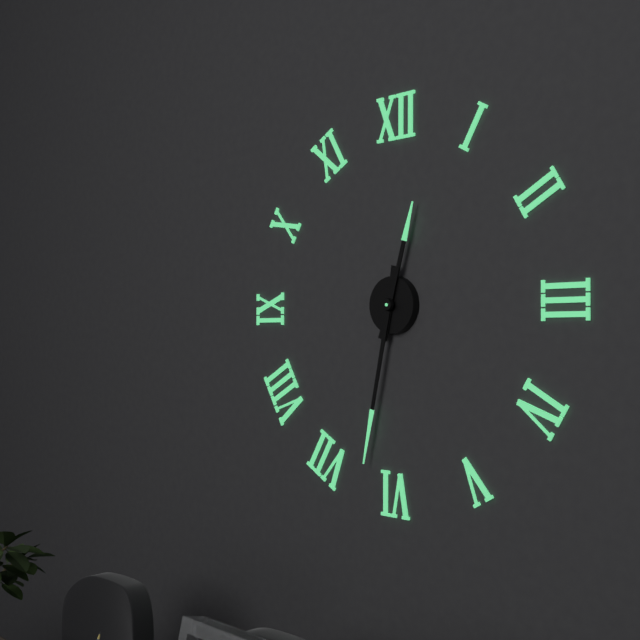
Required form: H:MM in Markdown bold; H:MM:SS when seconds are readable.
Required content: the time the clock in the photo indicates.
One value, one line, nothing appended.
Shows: **12:32**
